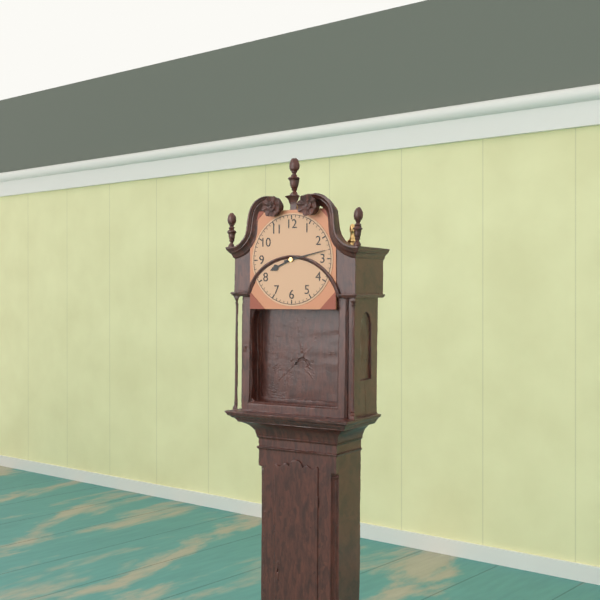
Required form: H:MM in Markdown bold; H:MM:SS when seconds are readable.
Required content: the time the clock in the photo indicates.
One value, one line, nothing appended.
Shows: **8:13**
